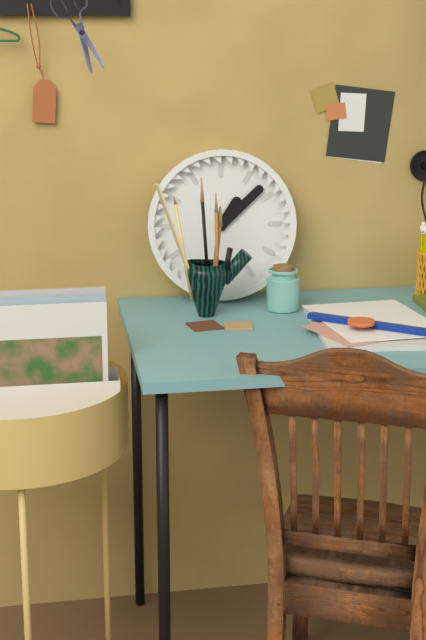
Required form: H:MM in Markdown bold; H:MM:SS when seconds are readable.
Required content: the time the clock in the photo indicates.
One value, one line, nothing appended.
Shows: **1:08**
